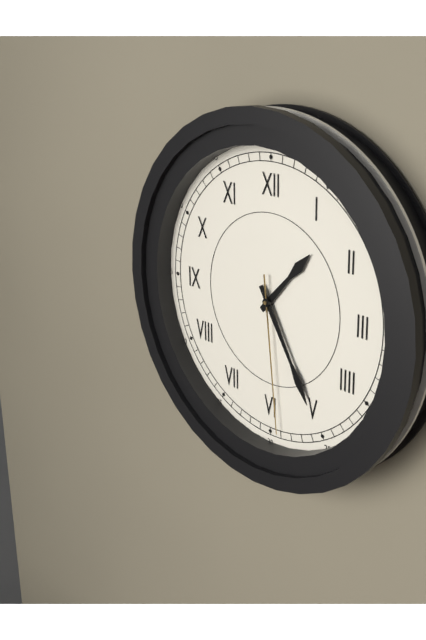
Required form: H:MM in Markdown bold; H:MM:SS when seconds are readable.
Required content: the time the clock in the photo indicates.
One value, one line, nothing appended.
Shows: **1:25:29**
